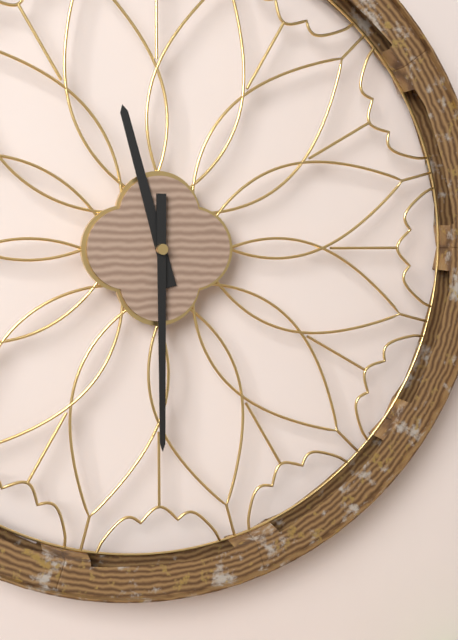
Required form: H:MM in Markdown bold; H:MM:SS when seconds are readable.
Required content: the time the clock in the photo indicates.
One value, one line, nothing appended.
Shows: **11:30**
